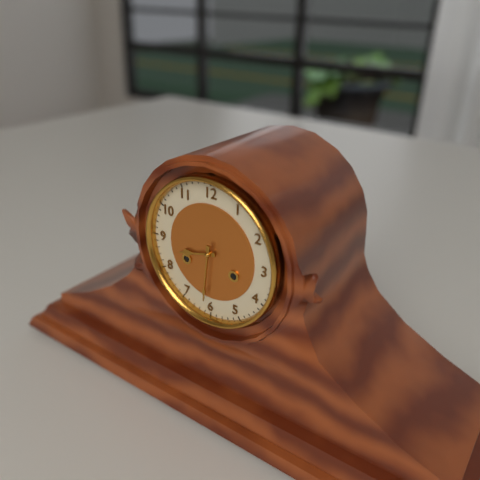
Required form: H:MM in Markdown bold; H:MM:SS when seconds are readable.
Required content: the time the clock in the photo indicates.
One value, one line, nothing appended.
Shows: **8:31**
